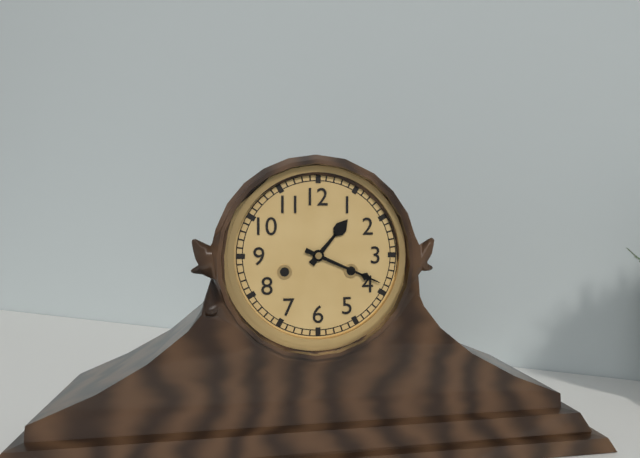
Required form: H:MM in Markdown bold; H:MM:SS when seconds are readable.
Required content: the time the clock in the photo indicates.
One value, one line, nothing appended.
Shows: **1:19**
